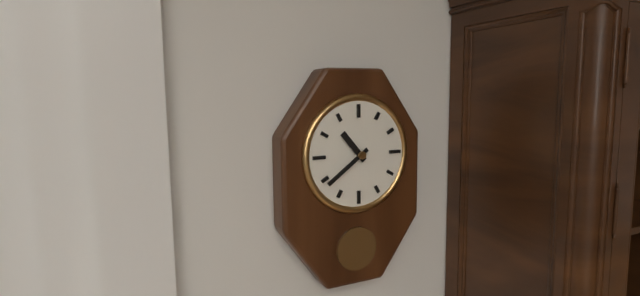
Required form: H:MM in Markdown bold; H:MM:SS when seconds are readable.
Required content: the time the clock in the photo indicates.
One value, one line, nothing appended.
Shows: **10:39**
